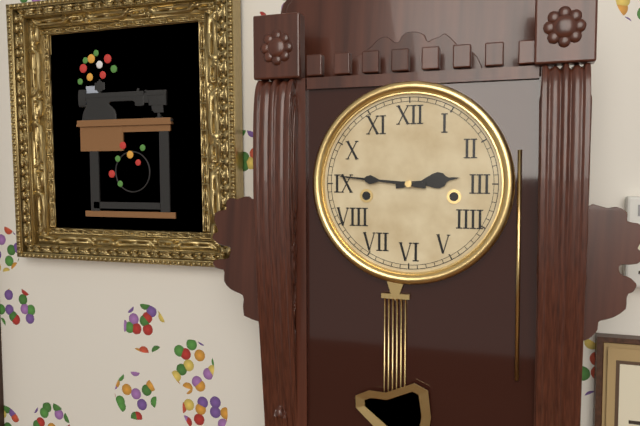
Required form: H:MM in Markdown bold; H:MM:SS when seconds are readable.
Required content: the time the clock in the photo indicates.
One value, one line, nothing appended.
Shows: **2:46**
